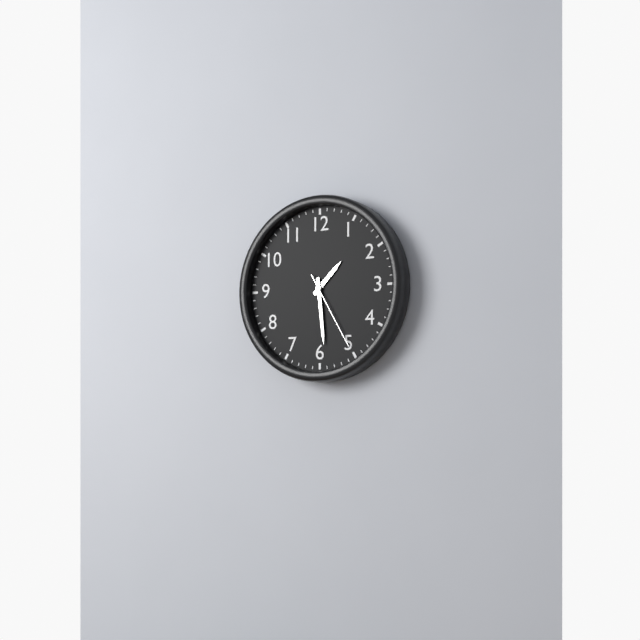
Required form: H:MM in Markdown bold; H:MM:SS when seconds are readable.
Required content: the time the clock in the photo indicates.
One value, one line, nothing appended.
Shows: **1:29:25**
